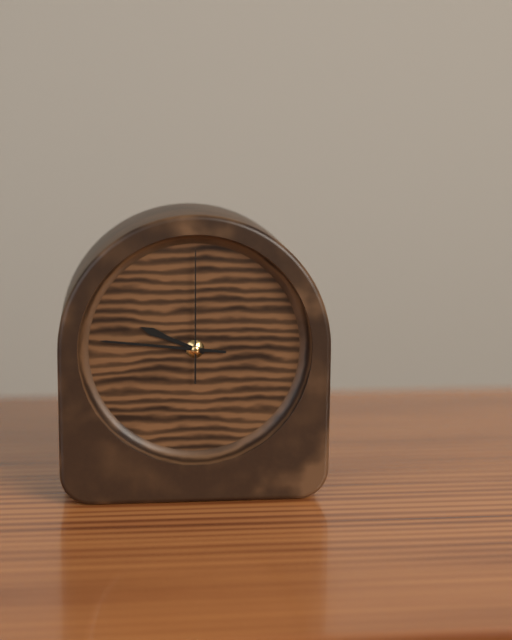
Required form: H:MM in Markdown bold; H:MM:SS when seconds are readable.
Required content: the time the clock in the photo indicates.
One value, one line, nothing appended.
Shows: **9:46:00**
